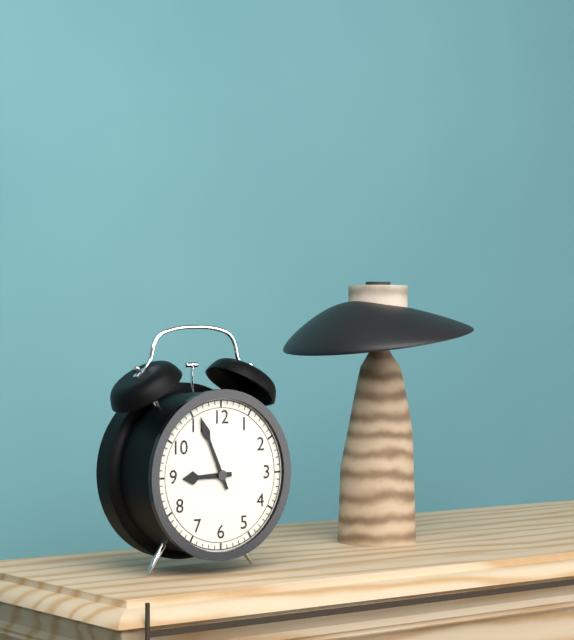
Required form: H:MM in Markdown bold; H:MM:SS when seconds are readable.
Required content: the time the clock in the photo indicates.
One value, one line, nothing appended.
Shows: **8:56**
